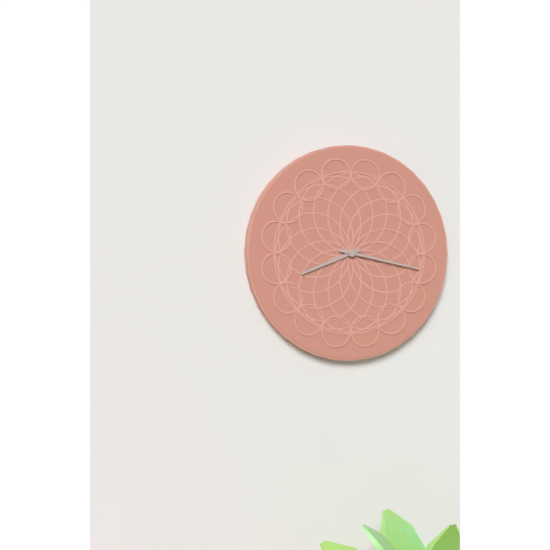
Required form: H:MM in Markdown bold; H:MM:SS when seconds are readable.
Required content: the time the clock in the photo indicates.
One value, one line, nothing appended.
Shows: **8:17**
